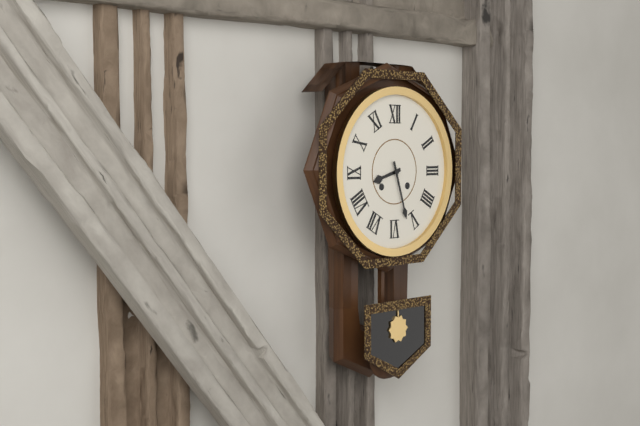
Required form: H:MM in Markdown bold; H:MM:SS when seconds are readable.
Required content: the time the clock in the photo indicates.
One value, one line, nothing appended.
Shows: **8:27**
